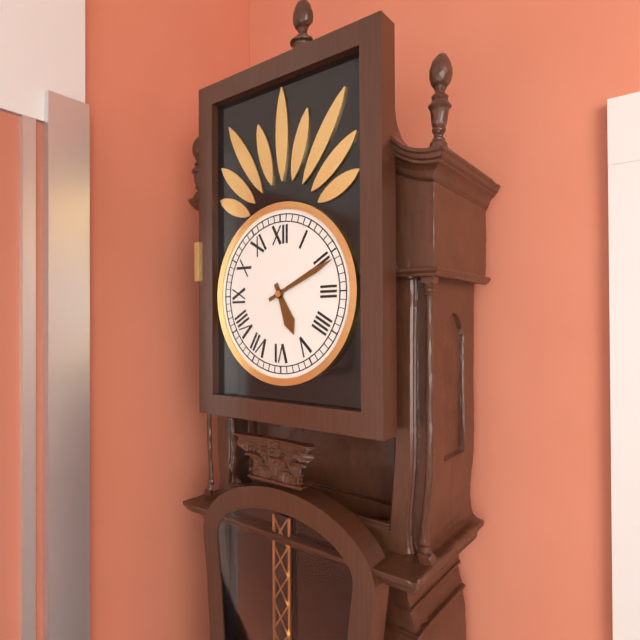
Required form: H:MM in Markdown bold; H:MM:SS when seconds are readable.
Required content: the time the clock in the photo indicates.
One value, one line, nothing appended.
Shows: **5:11**
